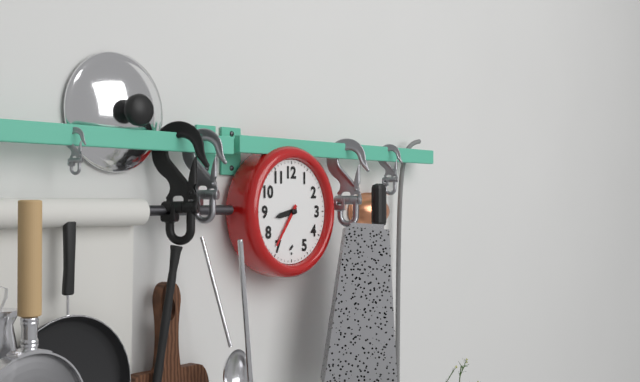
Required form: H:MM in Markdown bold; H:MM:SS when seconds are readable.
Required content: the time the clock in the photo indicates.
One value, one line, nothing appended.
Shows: **8:36**
